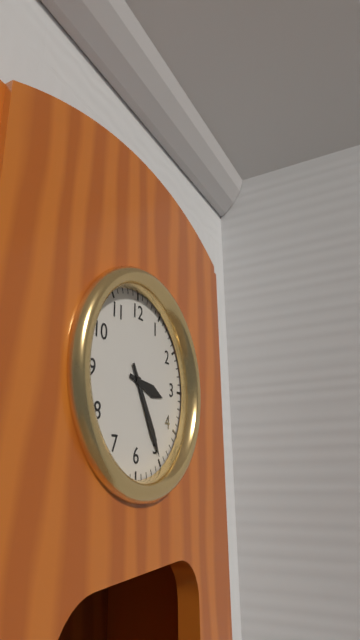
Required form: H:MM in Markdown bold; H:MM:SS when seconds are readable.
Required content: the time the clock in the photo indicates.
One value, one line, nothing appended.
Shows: **3:25**
